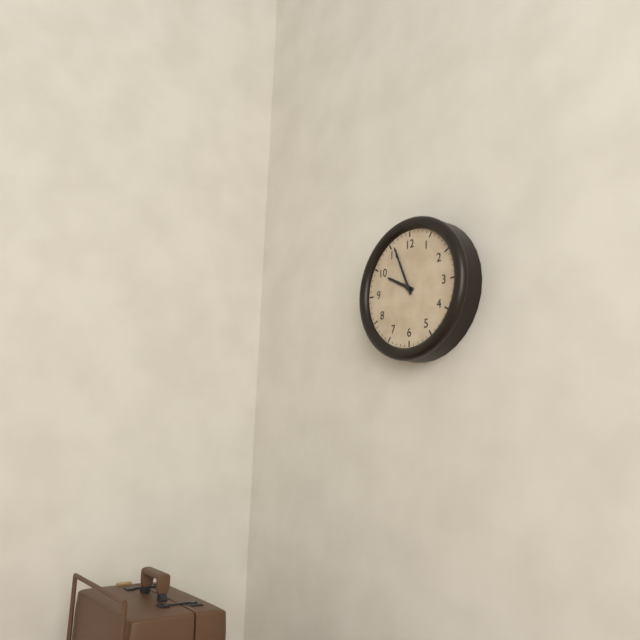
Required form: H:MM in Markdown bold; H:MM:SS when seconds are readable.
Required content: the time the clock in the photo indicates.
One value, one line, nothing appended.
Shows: **9:56**
